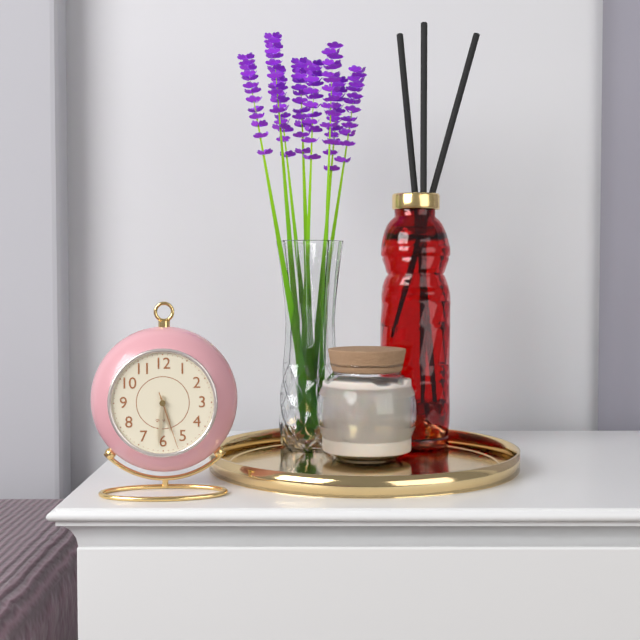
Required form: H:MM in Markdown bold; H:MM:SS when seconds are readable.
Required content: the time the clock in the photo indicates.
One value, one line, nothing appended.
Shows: **5:31:27**
